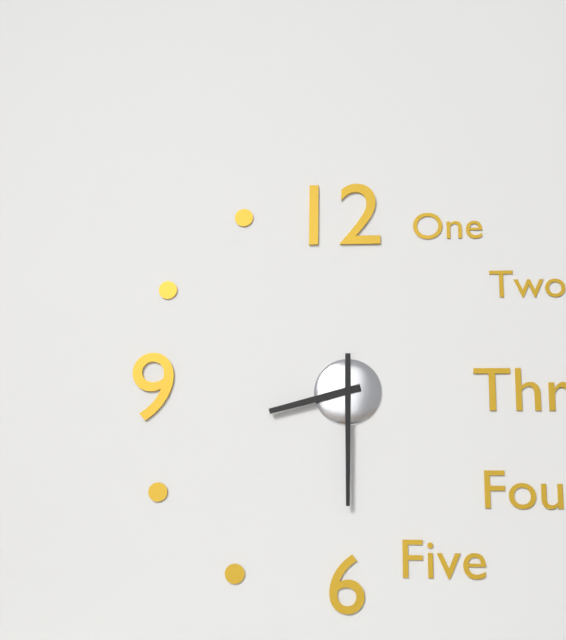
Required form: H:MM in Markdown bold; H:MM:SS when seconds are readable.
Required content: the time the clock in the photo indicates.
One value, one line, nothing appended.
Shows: **8:30**
